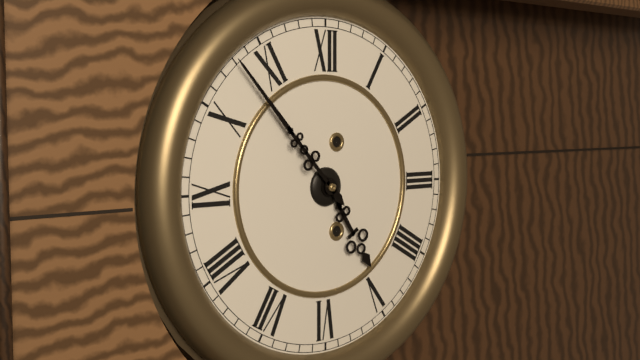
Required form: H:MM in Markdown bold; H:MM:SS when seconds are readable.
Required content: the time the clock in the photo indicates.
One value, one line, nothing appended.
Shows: **4:53**
